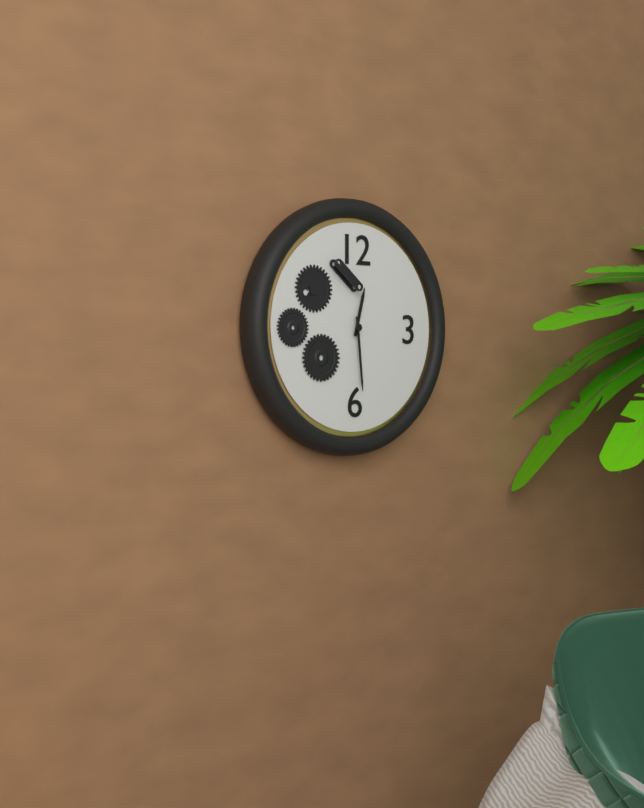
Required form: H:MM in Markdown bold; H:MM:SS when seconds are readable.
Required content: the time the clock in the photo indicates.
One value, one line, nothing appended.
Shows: **12:29**
